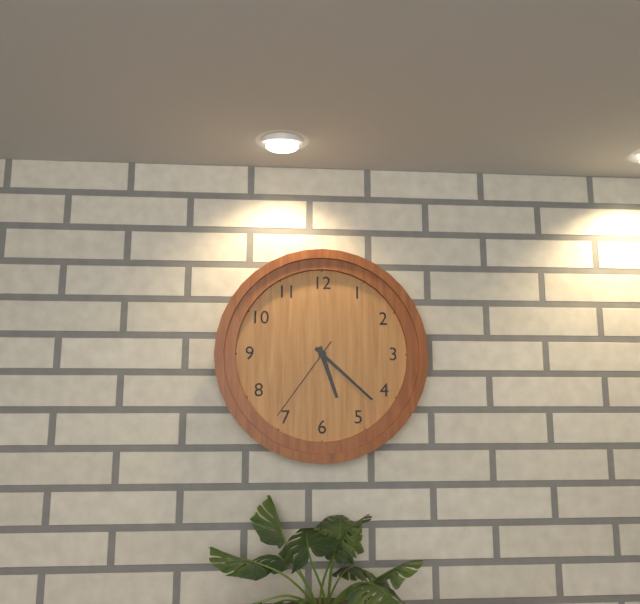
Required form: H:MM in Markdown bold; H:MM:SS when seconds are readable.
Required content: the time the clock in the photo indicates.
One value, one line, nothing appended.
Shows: **5:22:36**
